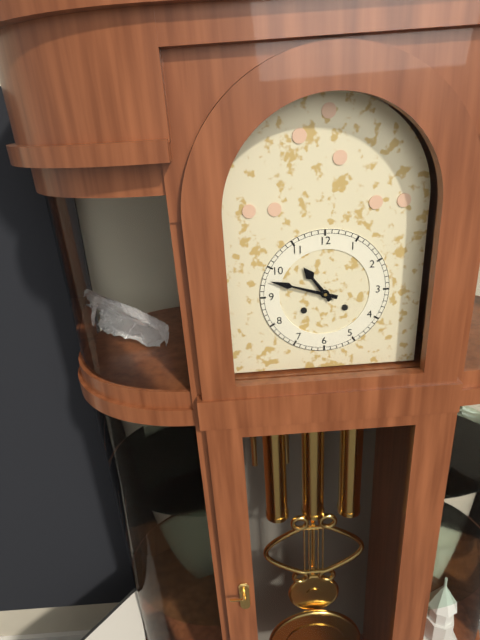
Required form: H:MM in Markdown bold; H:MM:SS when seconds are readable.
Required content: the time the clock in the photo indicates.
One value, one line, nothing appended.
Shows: **10:48**
